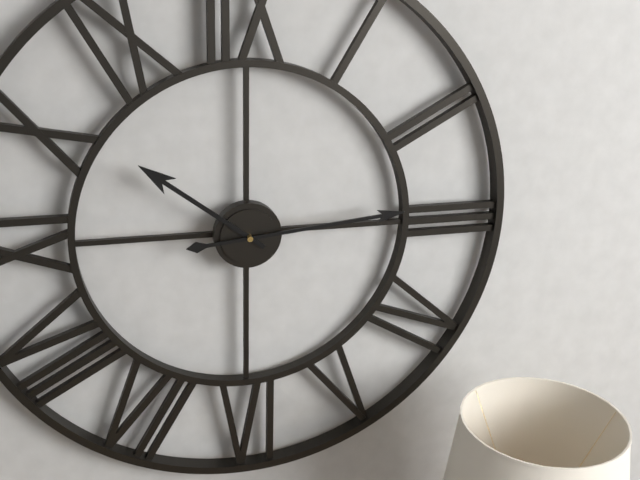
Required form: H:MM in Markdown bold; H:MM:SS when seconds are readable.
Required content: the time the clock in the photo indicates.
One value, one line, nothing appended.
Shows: **10:14**
